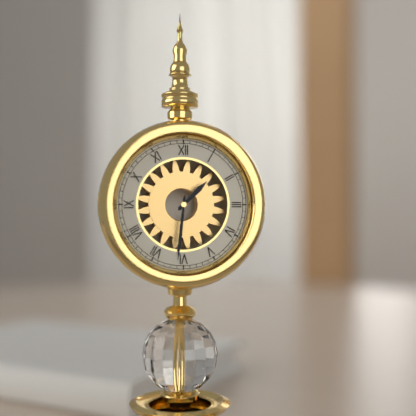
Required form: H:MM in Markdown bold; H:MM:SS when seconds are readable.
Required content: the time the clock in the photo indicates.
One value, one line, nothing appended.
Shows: **1:31**
